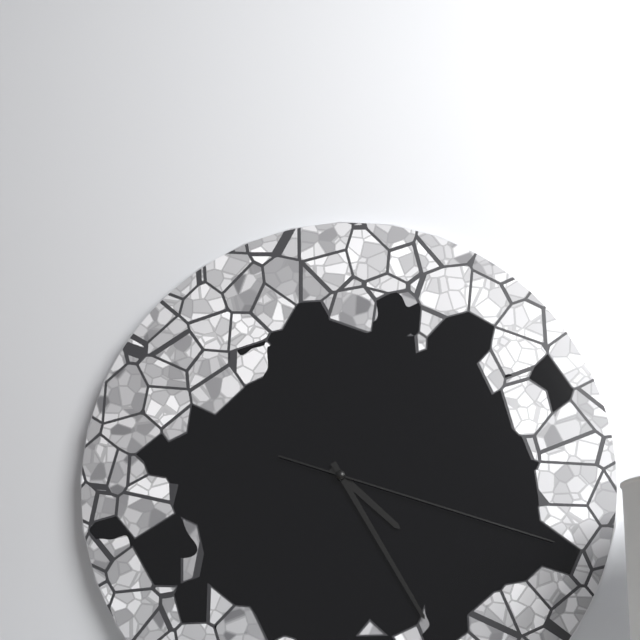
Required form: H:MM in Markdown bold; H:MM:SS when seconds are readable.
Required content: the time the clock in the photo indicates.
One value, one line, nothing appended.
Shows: **4:25:18**
